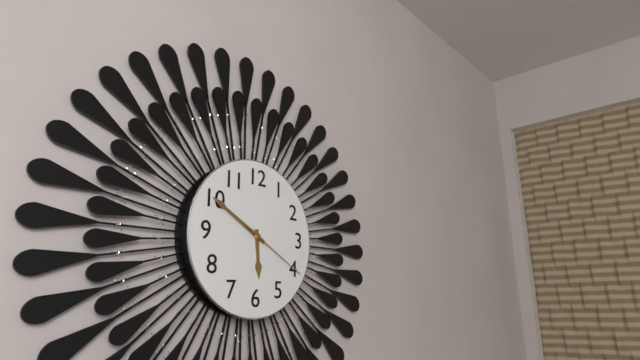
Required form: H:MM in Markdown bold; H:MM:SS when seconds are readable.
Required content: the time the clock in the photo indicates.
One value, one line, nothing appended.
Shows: **5:50:20**
